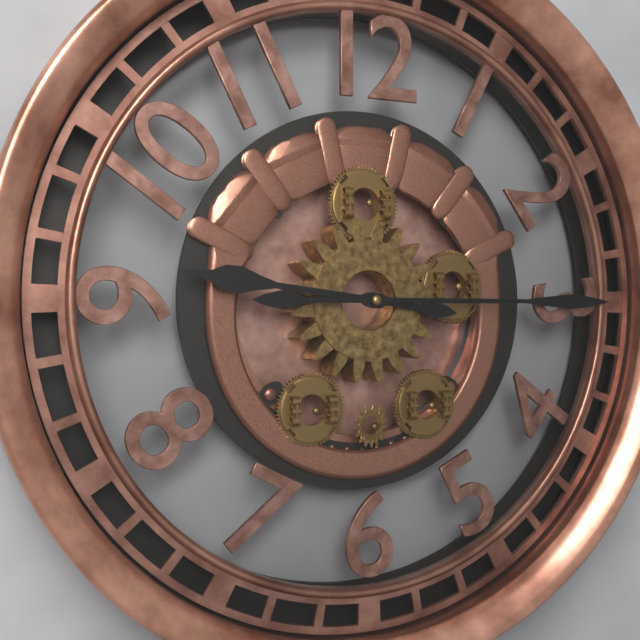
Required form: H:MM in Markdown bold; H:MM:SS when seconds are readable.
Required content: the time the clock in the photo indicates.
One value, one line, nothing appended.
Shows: **9:15**
